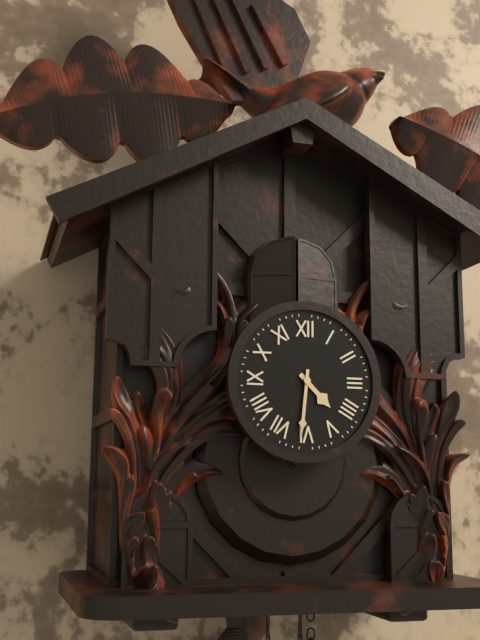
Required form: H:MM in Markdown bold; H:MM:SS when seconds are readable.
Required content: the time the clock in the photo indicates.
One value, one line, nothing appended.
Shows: **4:31**
